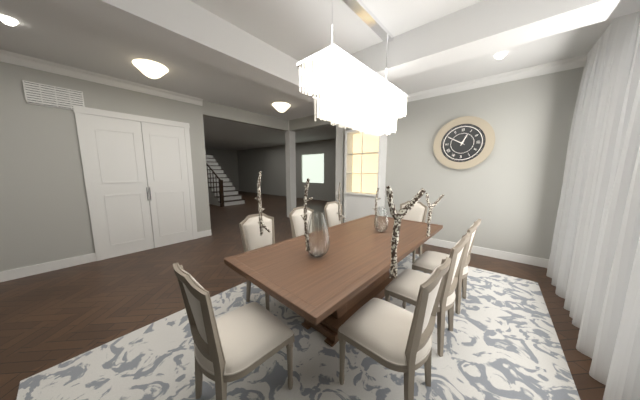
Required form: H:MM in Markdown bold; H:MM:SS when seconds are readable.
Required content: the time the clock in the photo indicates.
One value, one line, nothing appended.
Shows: **12:50**
